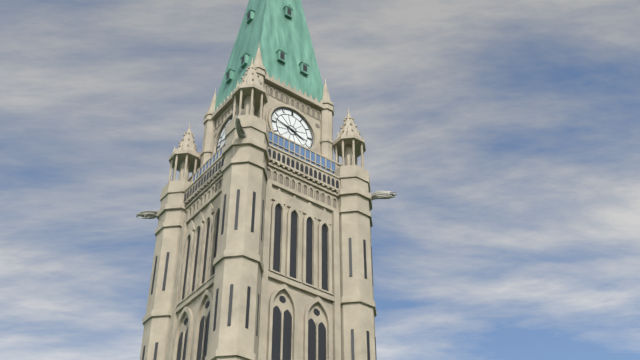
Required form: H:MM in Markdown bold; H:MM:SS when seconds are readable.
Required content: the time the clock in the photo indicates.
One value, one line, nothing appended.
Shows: **3:47**
